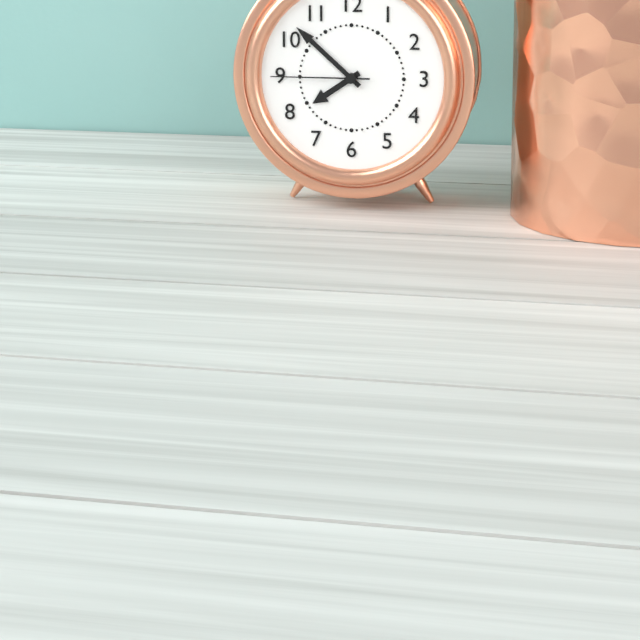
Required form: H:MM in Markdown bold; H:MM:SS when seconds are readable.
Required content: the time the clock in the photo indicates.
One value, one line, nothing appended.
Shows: **7:52:45**
